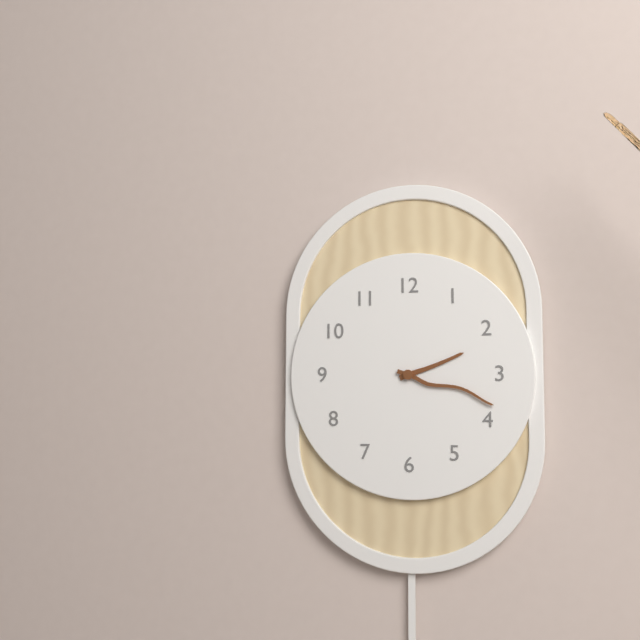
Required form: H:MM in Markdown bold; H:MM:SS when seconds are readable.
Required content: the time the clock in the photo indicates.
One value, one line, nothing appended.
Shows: **2:18**
